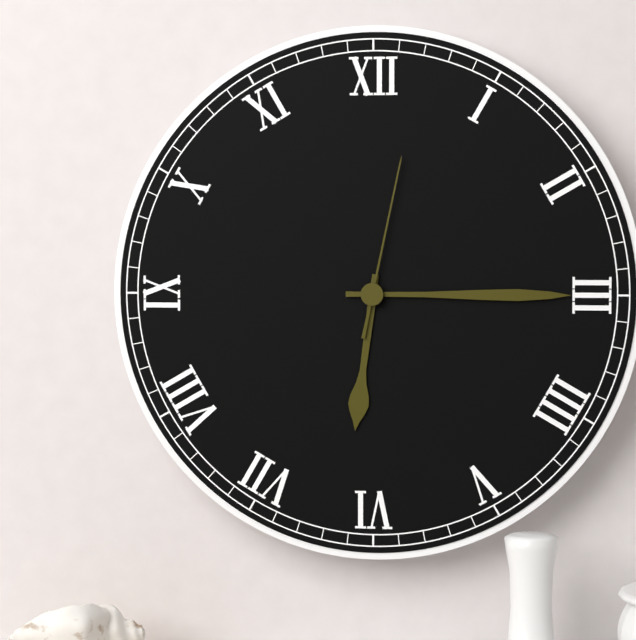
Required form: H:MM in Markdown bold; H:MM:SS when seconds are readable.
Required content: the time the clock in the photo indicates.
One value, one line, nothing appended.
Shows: **6:15:02**
